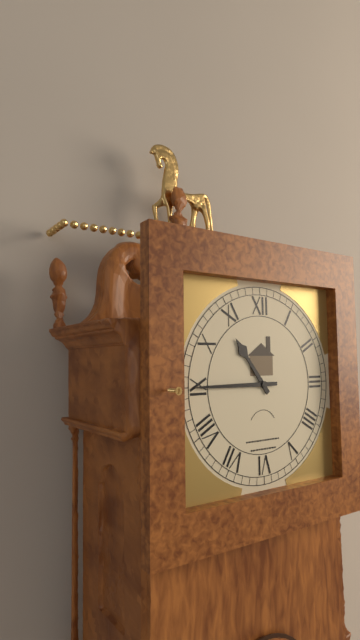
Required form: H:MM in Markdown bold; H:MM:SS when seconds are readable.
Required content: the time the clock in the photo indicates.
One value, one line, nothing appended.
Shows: **10:45**
